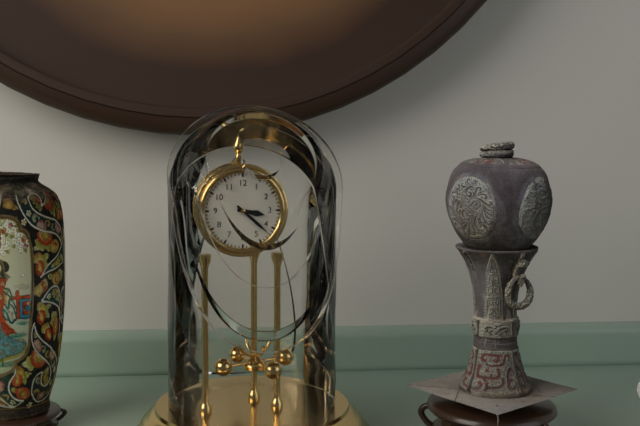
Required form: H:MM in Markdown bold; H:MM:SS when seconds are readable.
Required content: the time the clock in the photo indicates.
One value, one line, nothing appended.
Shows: **3:22**
